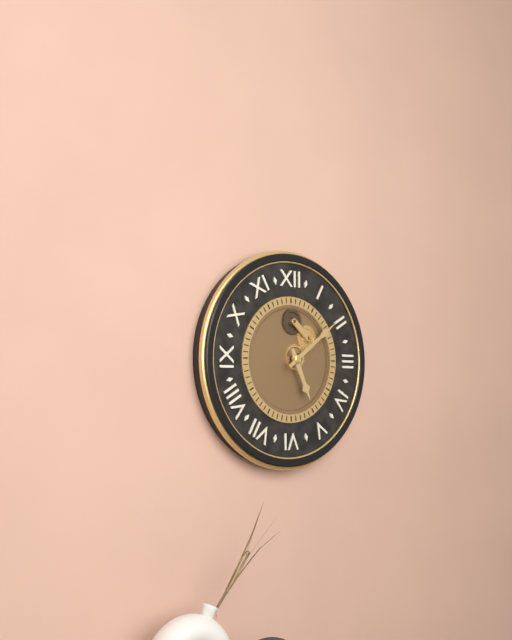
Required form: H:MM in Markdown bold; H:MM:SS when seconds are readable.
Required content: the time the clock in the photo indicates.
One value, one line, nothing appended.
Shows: **5:09**
